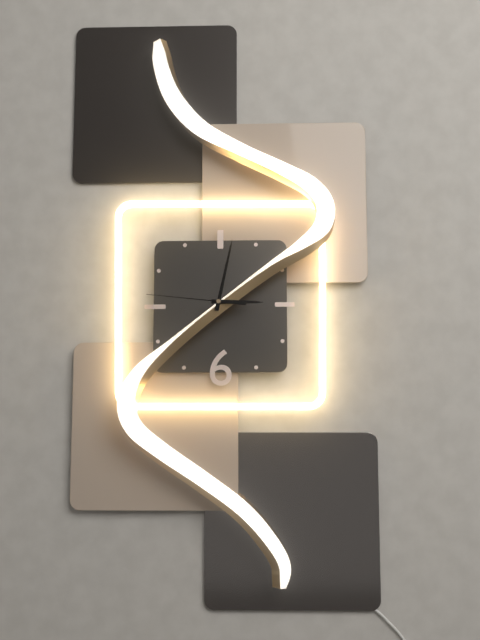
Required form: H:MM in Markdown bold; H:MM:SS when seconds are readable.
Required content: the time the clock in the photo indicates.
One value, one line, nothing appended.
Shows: **3:02:46**
